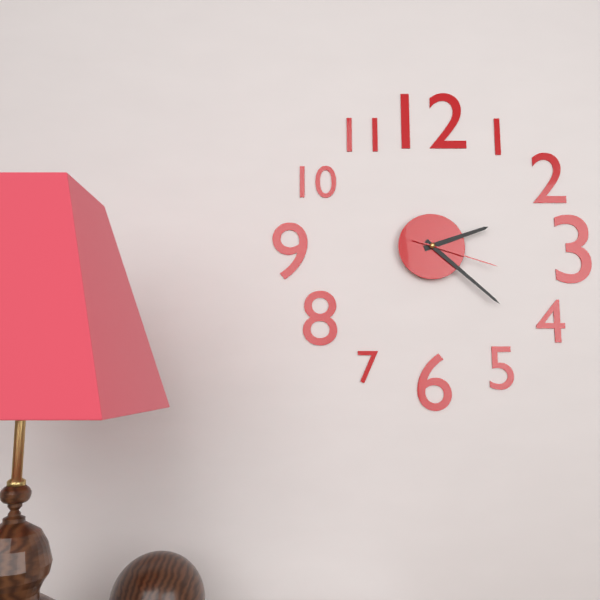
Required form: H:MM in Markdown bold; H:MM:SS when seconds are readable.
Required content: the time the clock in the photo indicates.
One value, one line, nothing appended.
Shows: **2:22:18**
